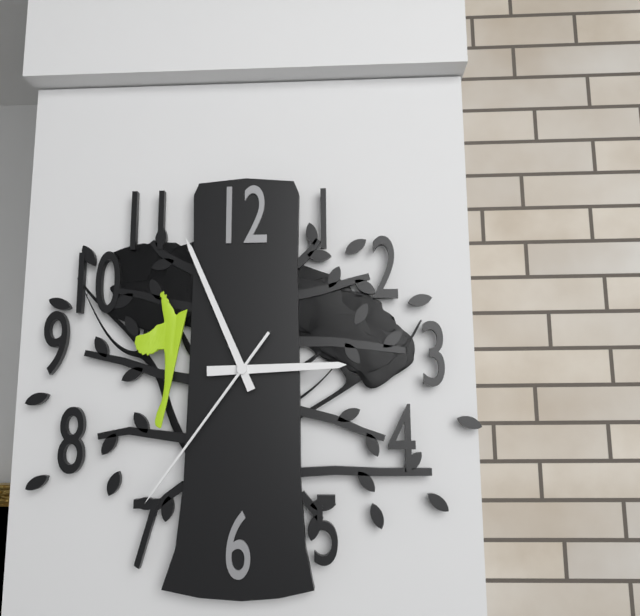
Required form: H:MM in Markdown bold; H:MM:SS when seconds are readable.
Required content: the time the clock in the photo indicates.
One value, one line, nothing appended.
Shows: **2:56:36**
